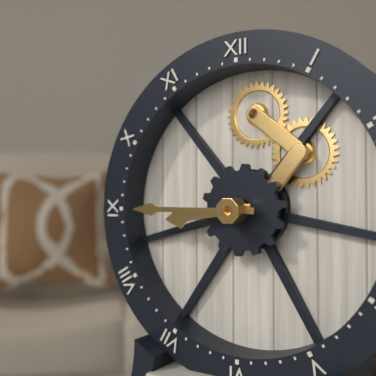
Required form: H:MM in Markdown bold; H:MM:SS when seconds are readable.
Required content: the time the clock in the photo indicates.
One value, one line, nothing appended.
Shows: **8:45**
